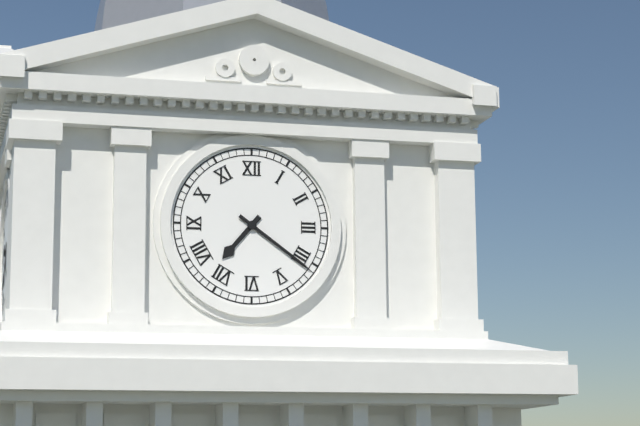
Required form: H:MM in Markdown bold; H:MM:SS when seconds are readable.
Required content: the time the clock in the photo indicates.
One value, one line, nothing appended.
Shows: **7:21**
